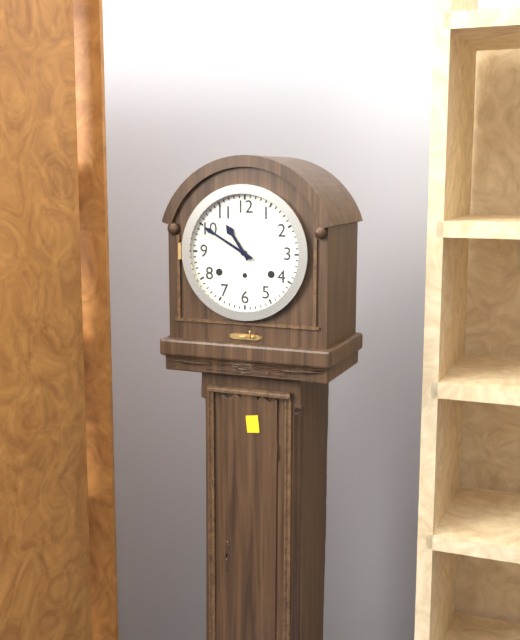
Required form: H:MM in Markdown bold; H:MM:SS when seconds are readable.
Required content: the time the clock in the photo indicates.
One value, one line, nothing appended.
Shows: **10:50**
